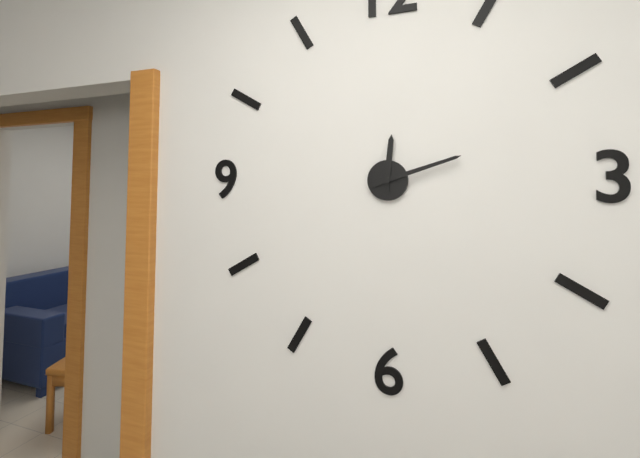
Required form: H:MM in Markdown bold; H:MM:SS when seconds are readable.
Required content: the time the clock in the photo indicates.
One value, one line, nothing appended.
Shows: **12:12**
